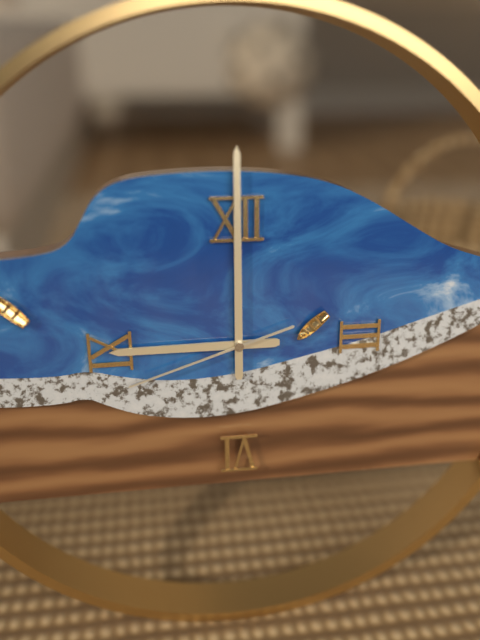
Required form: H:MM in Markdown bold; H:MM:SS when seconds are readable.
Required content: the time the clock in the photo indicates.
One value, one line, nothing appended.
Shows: **9:00:42**
